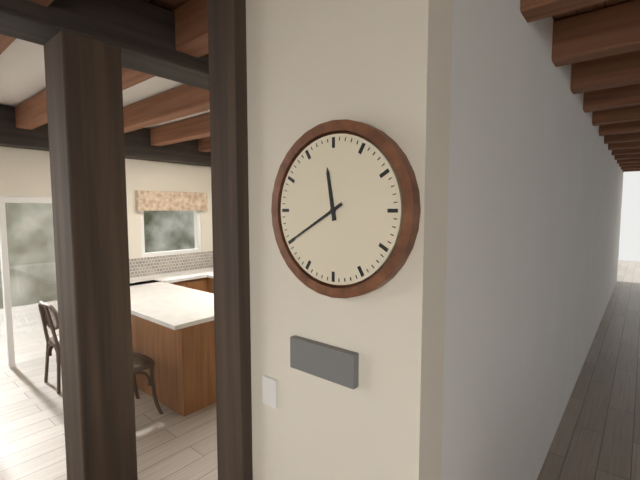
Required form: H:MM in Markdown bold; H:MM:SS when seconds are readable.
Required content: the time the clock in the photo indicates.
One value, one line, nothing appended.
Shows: **11:40**
